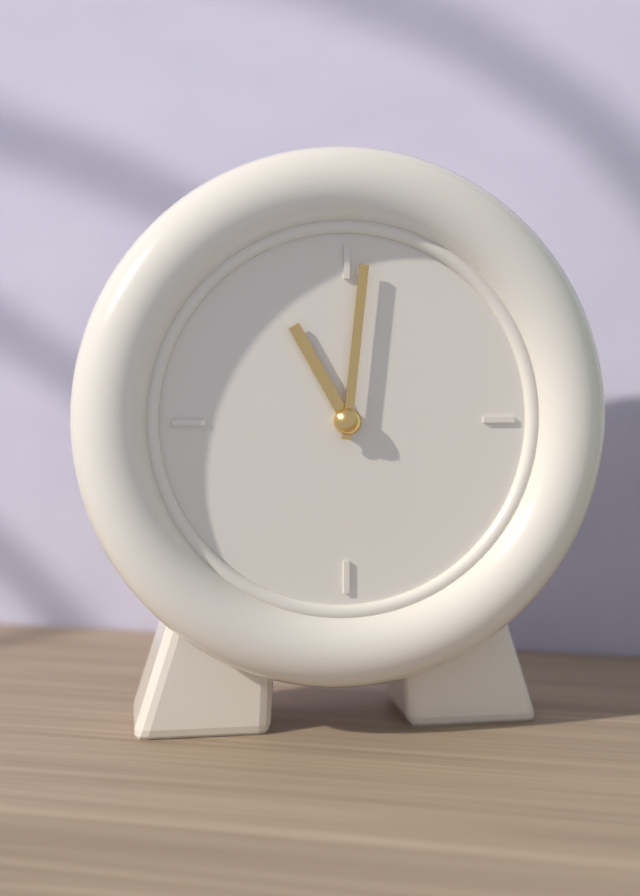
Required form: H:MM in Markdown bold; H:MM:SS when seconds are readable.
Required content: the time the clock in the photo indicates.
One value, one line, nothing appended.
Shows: **11:01**
